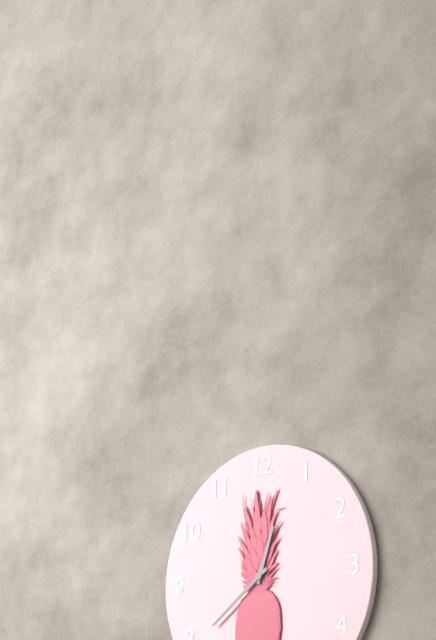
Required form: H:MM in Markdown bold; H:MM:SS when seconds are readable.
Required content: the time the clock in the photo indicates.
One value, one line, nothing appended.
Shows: **12:39**
